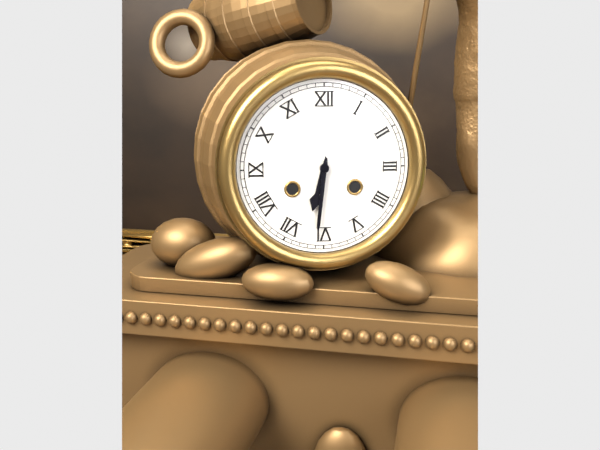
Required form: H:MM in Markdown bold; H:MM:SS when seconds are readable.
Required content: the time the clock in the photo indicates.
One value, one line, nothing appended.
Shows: **6:31**
